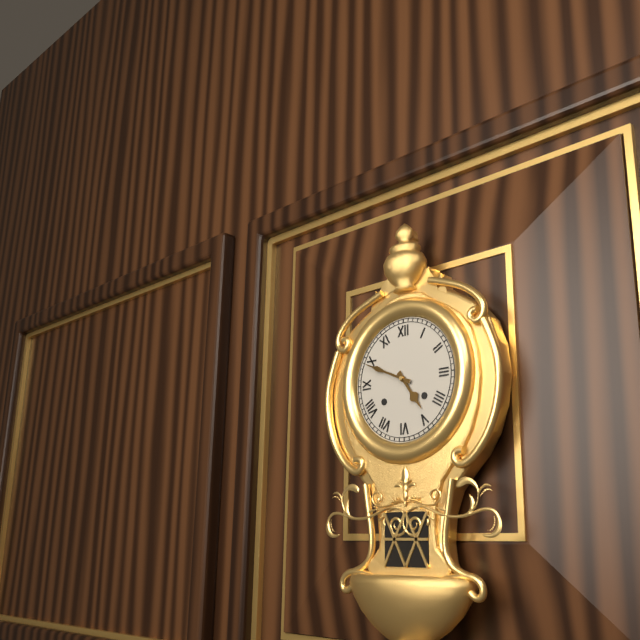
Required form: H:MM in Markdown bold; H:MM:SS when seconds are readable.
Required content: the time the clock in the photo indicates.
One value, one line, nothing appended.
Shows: **4:49**
